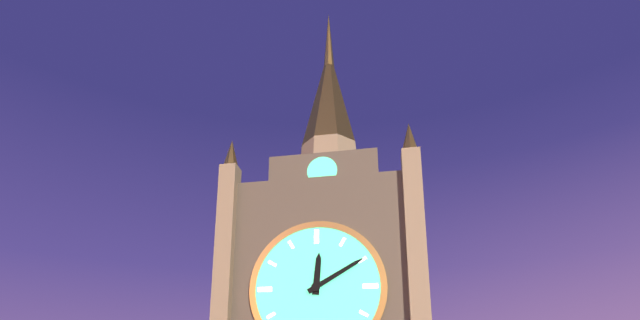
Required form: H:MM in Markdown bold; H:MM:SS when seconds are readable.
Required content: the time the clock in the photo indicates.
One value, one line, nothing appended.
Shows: **12:10**
